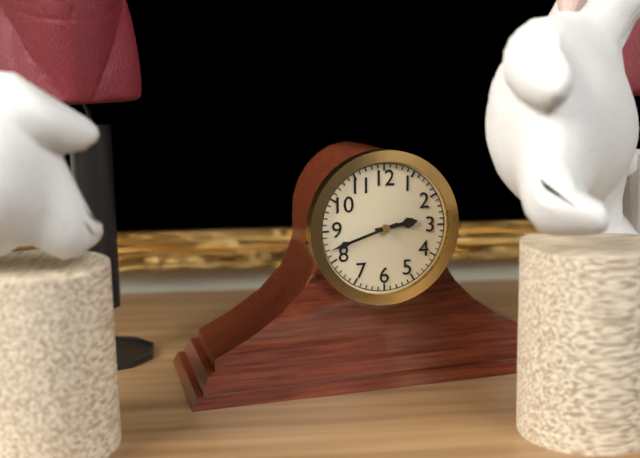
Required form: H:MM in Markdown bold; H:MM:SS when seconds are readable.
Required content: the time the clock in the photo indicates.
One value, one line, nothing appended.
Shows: **2:42**
